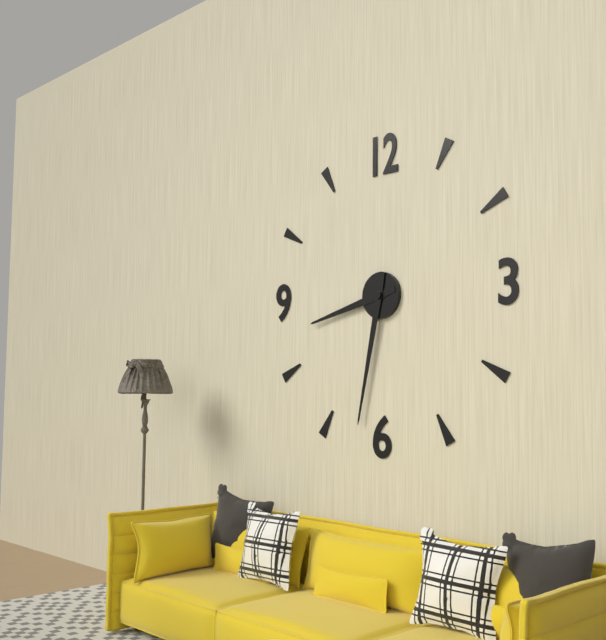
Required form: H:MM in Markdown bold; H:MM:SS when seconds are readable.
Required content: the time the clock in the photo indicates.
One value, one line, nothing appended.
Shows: **8:32**
